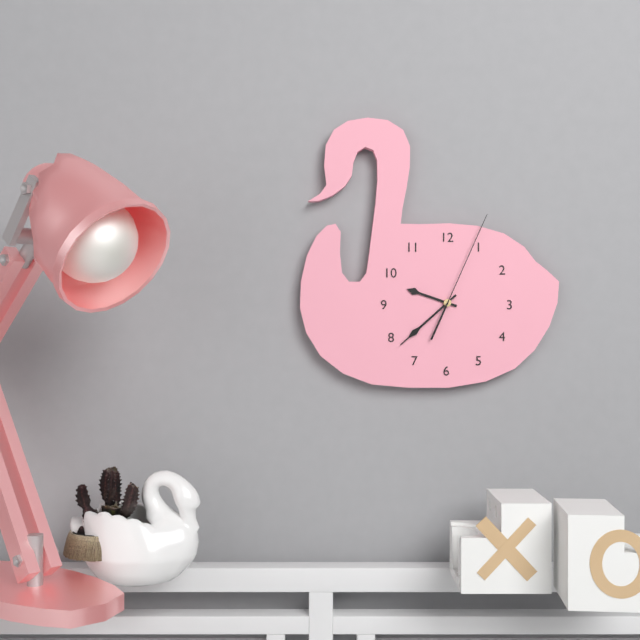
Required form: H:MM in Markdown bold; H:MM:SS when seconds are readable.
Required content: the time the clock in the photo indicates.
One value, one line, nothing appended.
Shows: **9:38:04**
